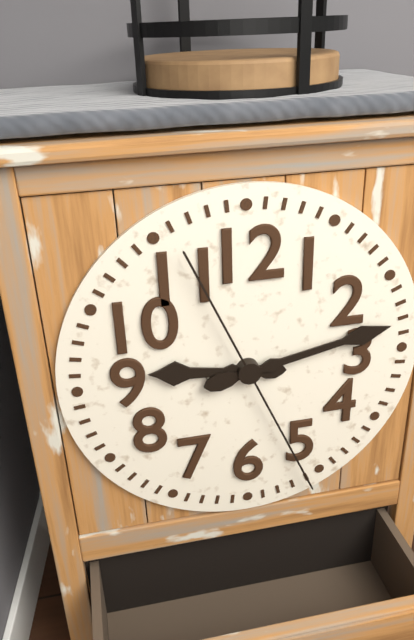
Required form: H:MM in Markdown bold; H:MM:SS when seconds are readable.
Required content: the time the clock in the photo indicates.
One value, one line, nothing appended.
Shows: **9:13:26**
